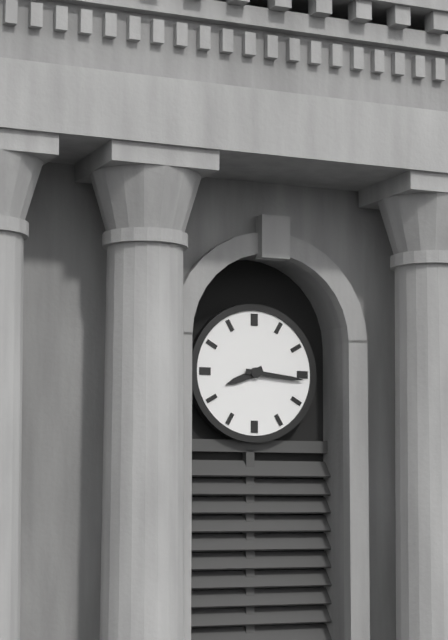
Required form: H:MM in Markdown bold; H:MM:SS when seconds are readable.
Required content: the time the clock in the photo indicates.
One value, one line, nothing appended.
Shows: **8:16**
